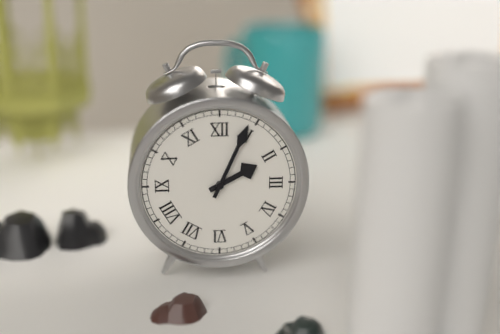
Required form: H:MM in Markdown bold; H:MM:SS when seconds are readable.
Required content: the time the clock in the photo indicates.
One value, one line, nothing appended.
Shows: **2:04**
